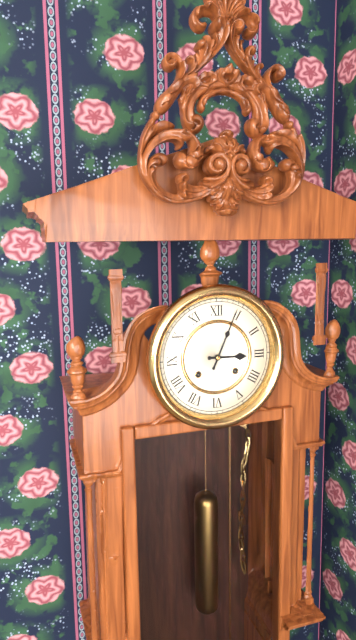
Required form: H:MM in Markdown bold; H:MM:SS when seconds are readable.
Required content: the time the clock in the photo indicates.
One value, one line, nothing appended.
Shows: **3:04**
